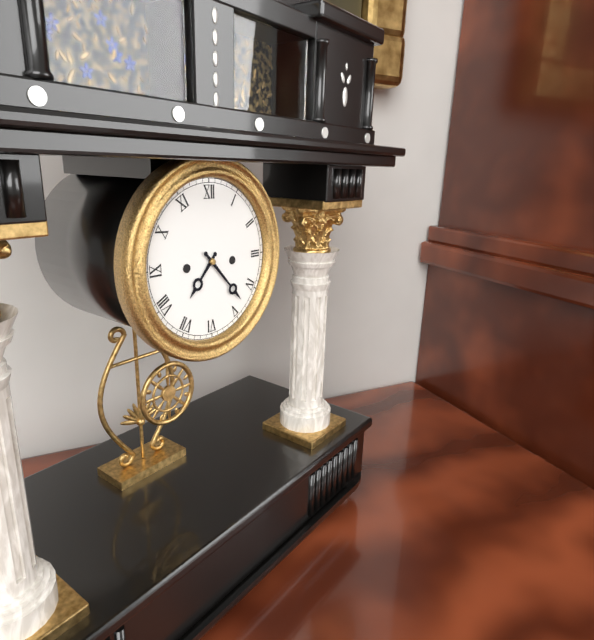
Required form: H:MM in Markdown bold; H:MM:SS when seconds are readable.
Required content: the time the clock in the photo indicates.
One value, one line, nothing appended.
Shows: **7:23**
